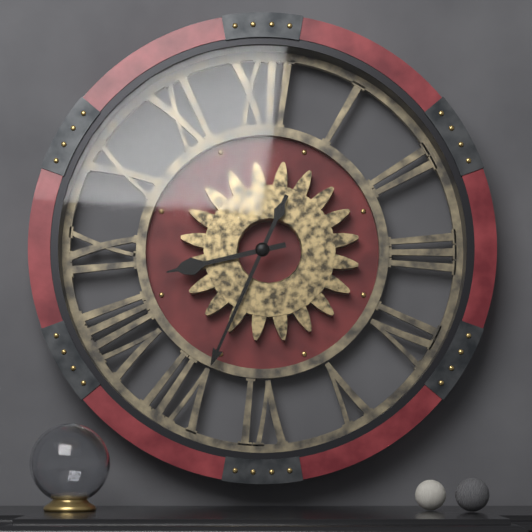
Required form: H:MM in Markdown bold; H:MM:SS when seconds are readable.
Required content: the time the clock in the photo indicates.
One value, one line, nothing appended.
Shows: **8:34**
